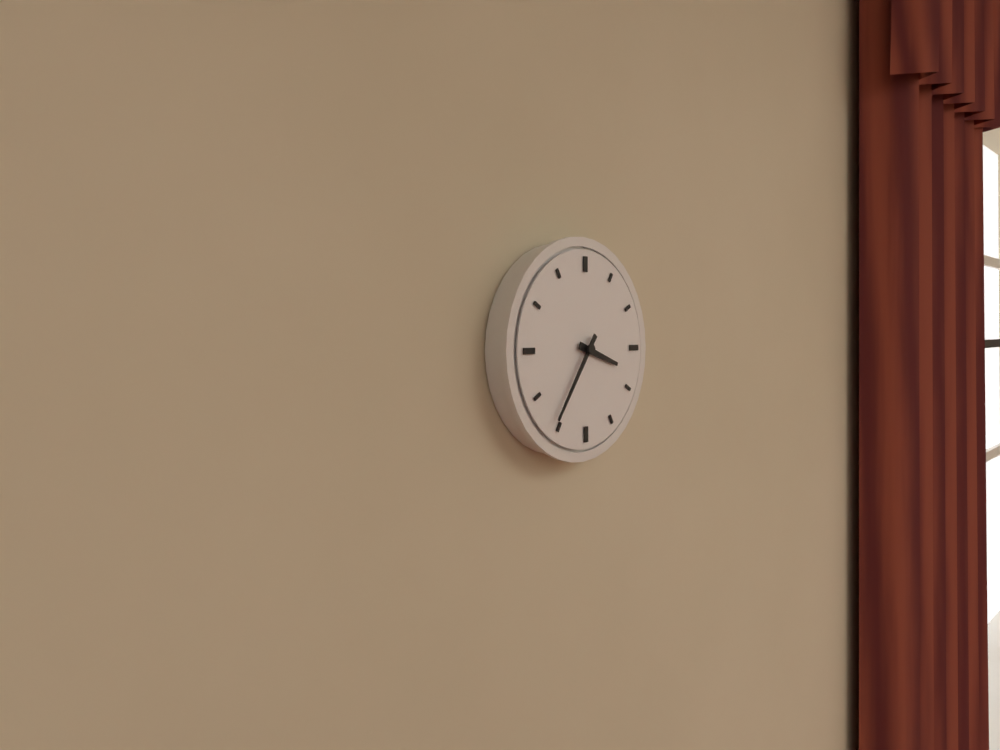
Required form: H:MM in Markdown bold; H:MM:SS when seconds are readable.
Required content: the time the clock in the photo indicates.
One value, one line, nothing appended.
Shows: **3:36**
